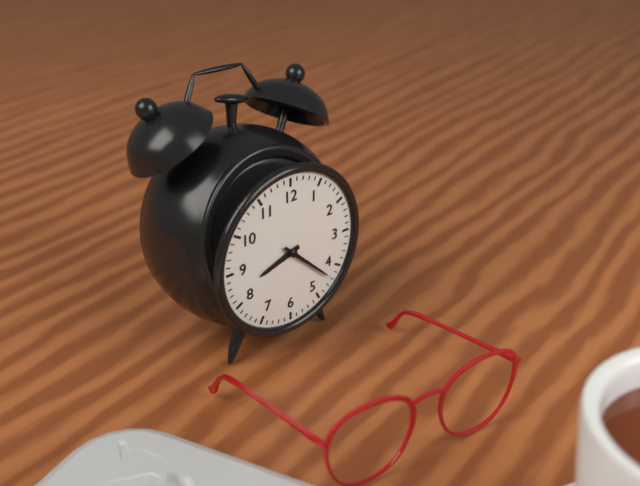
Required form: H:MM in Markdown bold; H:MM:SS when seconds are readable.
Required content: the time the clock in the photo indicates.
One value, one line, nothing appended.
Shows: **8:22**
